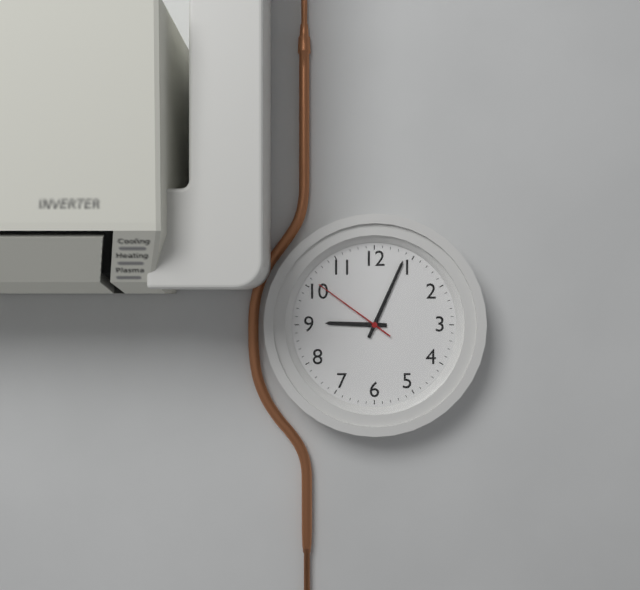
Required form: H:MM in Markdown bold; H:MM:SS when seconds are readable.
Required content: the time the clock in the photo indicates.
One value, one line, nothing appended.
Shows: **9:04:51**
